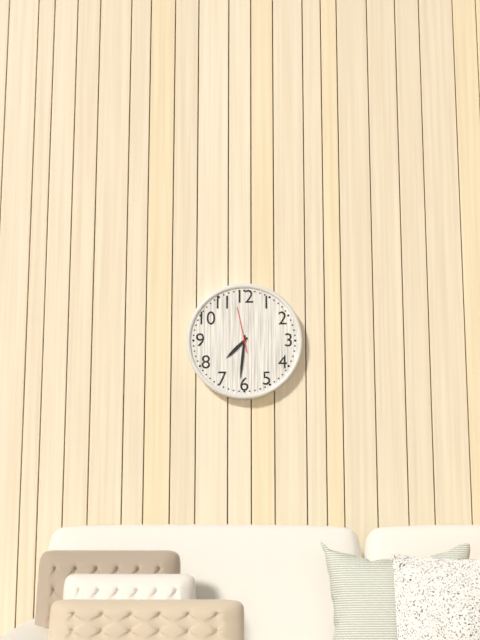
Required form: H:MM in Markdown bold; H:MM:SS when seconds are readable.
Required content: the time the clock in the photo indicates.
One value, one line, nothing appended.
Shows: **7:31**
